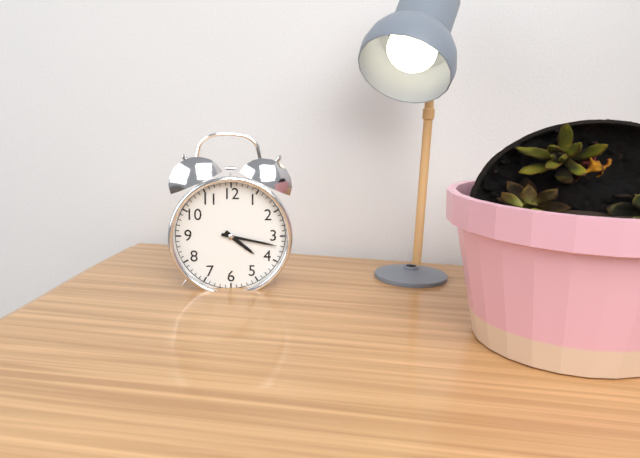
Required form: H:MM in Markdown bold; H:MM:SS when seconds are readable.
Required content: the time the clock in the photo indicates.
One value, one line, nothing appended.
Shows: **4:17**
